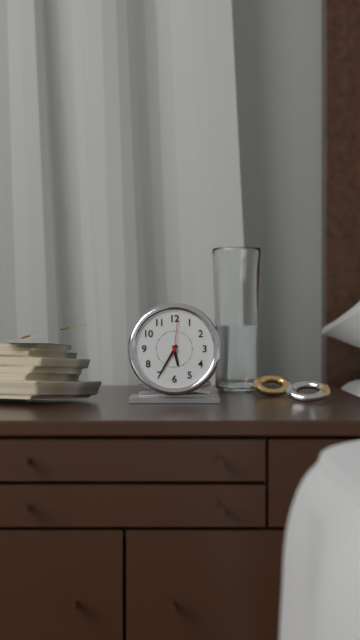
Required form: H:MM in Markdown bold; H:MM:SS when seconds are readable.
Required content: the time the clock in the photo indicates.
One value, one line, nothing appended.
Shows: **5:35**
